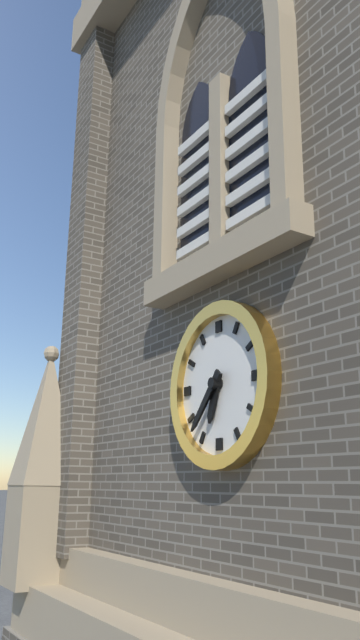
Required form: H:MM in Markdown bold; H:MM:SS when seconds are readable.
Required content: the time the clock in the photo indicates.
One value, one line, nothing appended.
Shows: **6:37**
